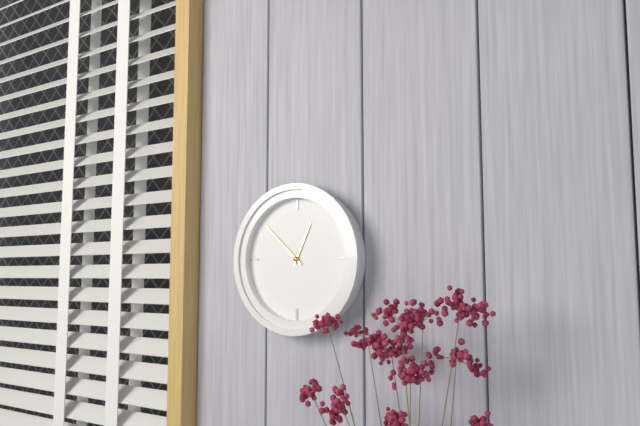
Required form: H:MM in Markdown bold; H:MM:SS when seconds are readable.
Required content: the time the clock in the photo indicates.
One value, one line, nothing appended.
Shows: **12:52**
